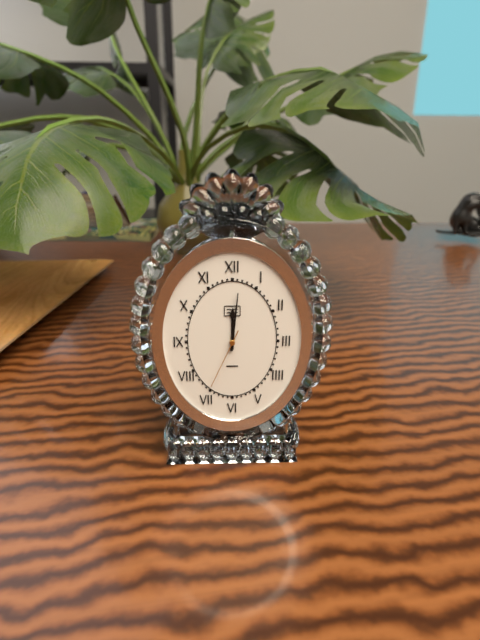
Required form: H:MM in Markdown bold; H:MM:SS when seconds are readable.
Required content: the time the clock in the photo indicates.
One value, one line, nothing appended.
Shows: **12:01:34**
